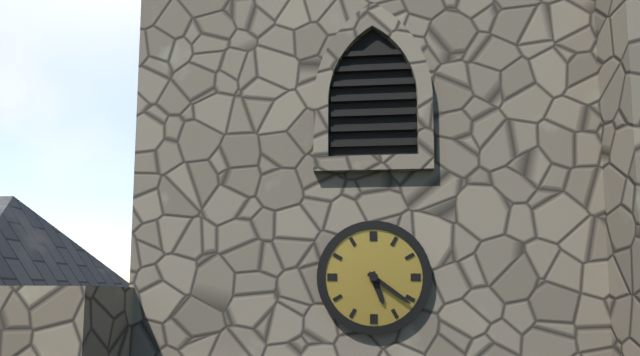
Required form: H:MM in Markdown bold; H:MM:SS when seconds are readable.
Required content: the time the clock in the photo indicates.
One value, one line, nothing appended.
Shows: **5:21**
